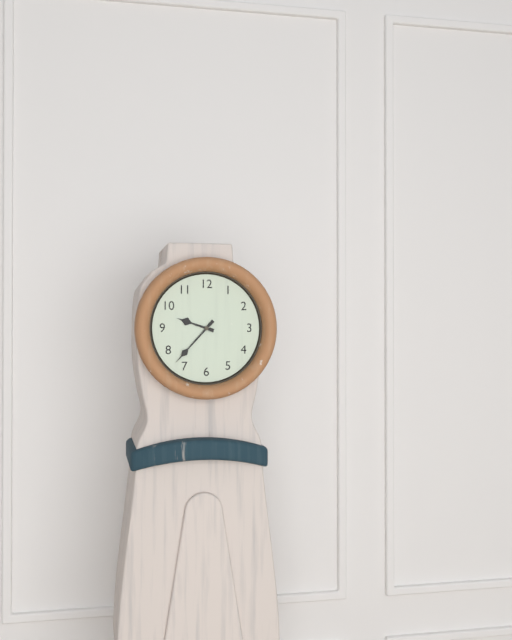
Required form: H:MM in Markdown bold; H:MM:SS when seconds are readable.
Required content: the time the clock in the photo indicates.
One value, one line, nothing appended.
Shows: **9:37**
